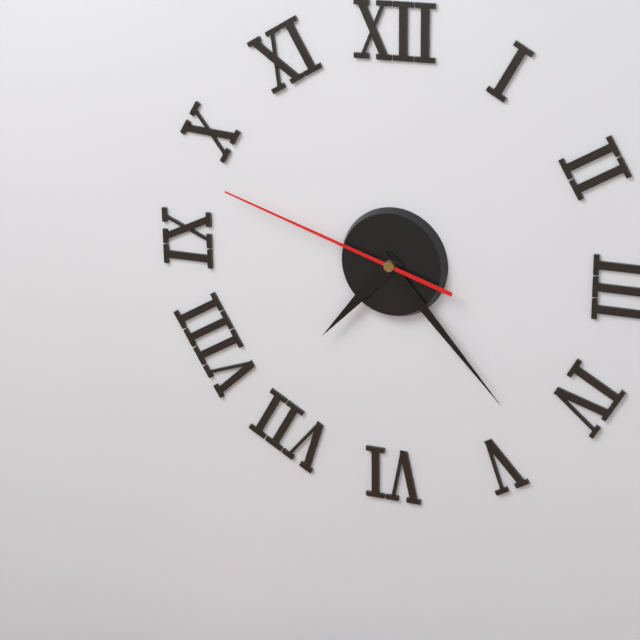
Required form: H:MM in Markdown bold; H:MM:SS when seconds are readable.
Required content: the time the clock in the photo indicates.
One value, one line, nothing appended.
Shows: **7:23:48**
